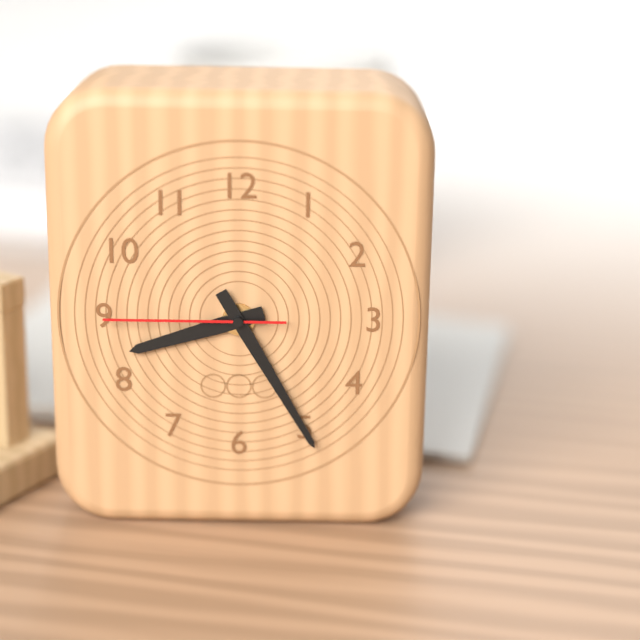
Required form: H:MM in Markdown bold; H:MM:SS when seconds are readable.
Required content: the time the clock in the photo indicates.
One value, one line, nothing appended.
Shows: **8:25:45**
